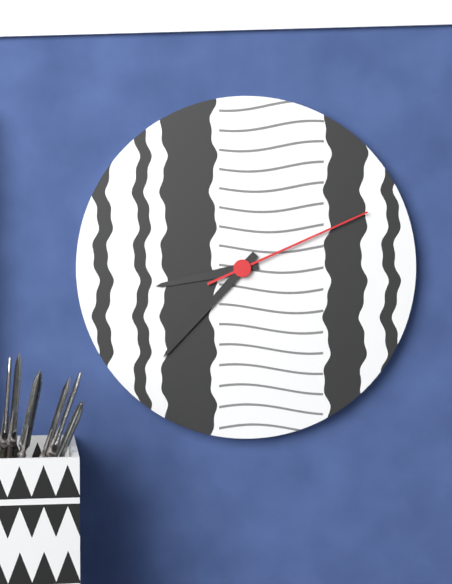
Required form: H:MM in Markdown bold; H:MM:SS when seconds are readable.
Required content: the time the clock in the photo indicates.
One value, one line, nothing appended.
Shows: **8:37:11**
